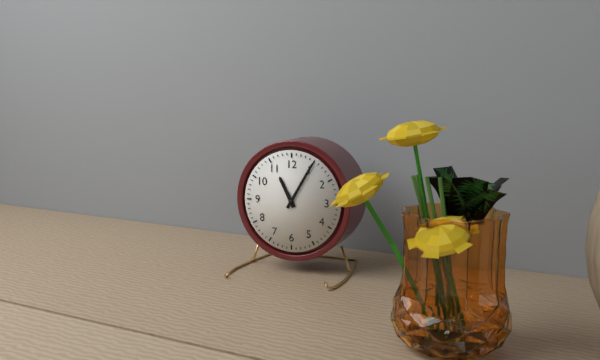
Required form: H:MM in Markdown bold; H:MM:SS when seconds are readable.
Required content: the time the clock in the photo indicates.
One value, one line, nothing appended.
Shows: **11:05**
